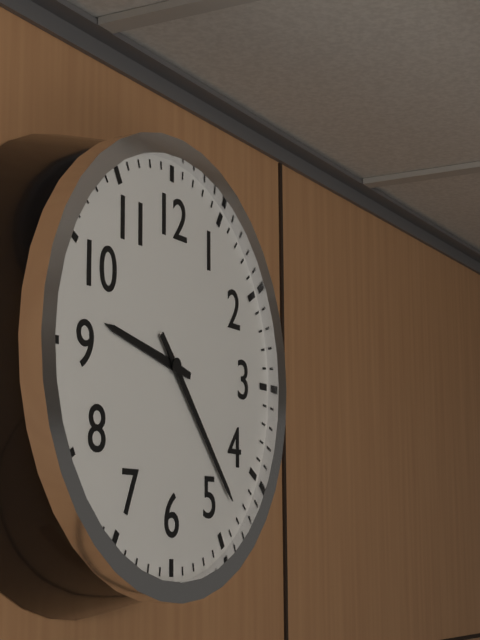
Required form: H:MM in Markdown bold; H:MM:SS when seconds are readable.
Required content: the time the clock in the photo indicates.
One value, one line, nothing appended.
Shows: **9:23**
